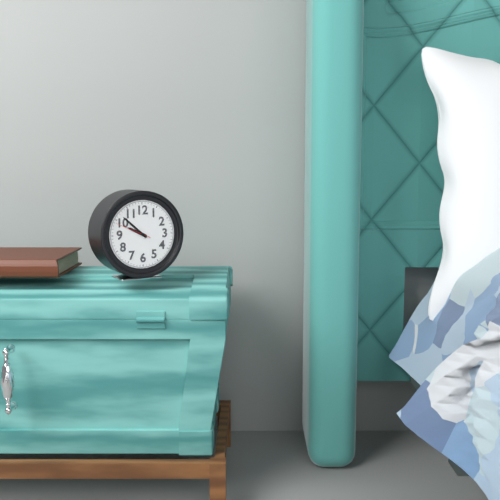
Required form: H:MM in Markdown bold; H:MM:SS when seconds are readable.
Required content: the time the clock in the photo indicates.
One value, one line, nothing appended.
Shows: **9:52**
